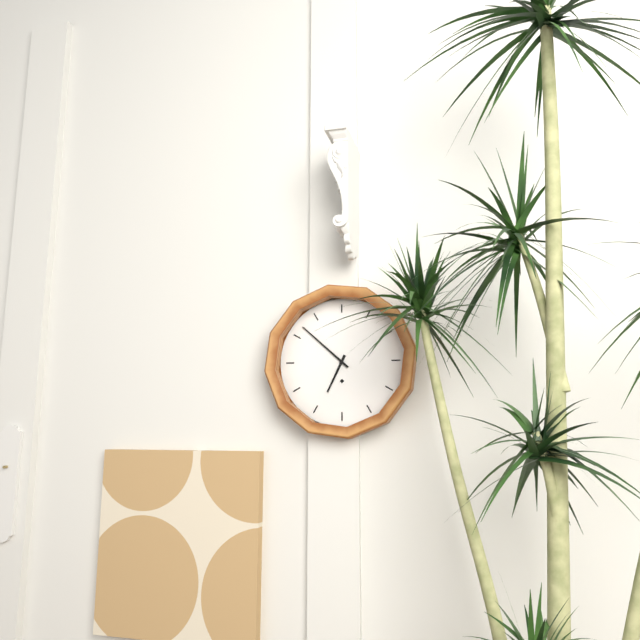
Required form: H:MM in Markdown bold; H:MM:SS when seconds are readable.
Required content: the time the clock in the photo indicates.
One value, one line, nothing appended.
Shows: **6:52**
